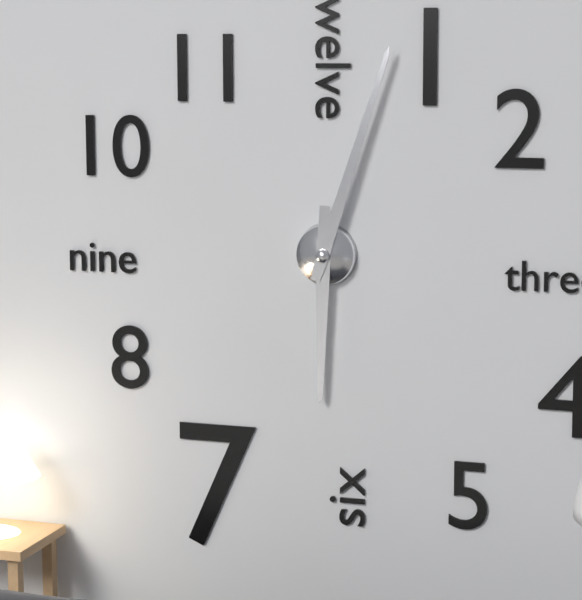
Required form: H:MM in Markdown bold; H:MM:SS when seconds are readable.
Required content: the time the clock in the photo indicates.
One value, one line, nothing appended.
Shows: **6:03**
